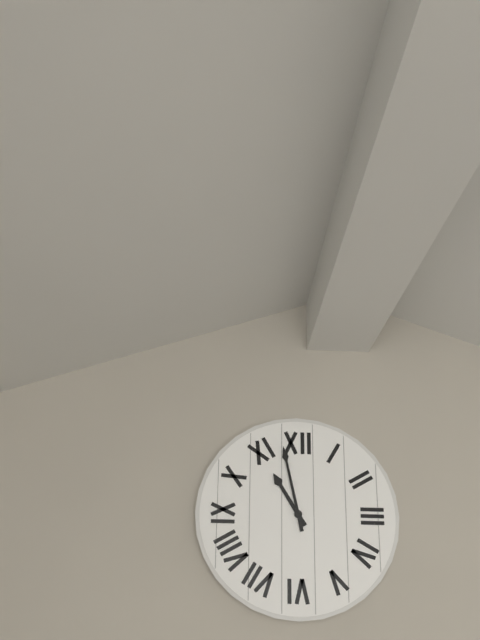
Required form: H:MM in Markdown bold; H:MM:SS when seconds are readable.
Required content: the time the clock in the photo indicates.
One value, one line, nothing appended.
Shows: **10:58**
